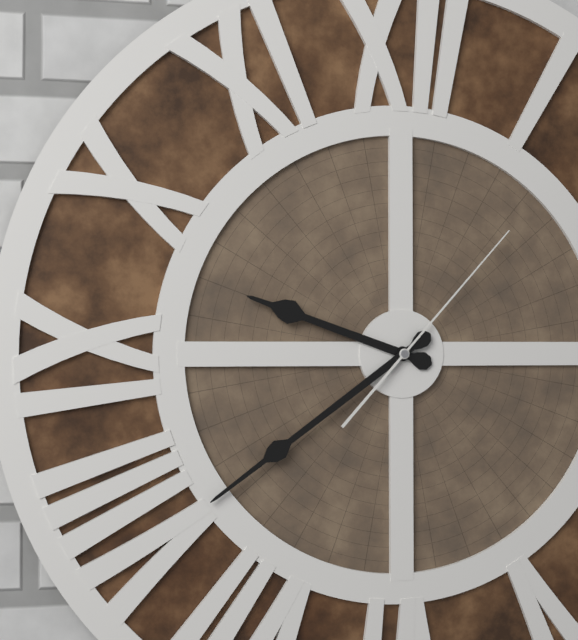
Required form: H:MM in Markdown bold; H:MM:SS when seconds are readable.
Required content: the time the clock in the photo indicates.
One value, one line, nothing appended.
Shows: **9:39:07**
